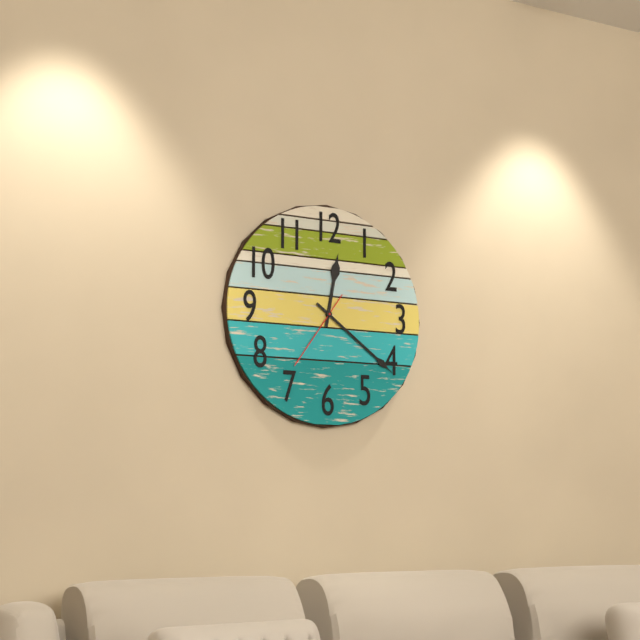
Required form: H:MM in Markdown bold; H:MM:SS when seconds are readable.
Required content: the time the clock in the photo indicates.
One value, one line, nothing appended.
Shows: **12:21:36**
